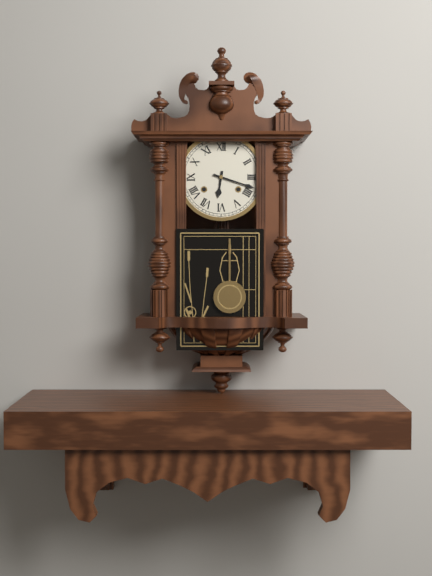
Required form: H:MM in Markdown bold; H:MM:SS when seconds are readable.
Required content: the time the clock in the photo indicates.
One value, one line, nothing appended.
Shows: **6:18**
